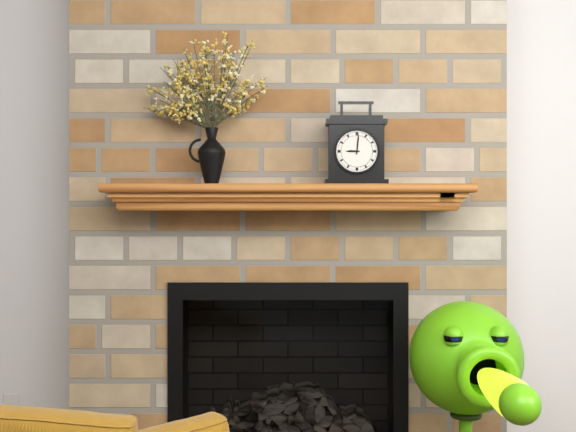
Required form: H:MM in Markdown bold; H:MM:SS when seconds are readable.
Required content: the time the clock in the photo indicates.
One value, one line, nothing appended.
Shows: **9:01**
